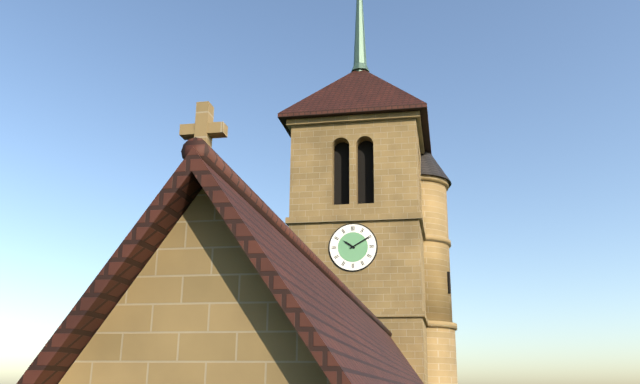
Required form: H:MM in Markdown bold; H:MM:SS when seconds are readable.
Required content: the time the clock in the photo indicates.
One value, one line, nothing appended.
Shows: **10:10**
